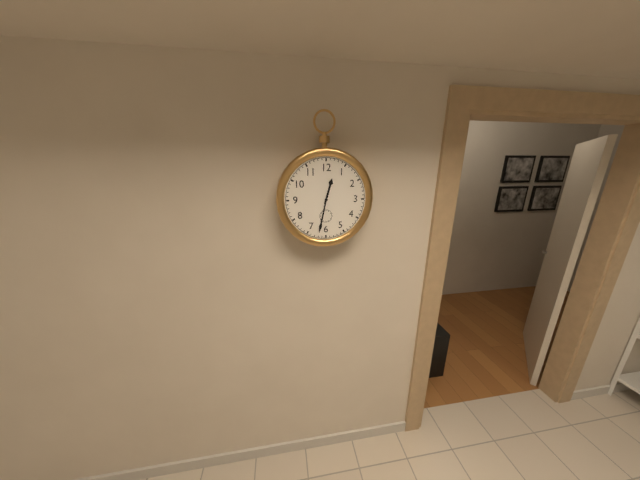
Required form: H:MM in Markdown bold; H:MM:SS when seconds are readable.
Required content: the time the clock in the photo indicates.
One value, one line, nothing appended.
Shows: **12:32**
